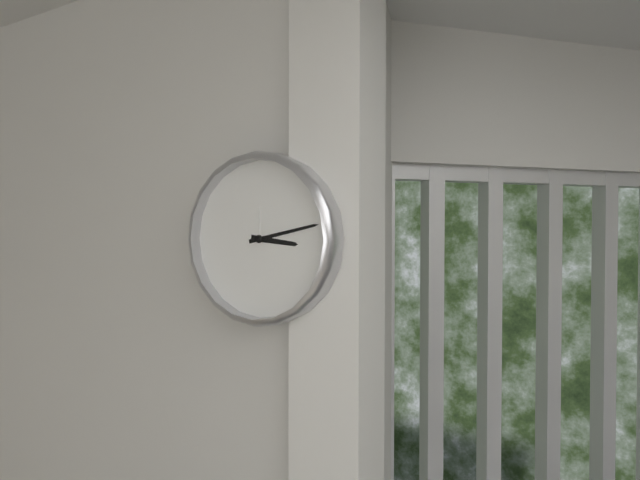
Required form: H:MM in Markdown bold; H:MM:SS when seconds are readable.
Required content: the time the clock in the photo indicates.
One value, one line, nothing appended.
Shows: **3:13**
